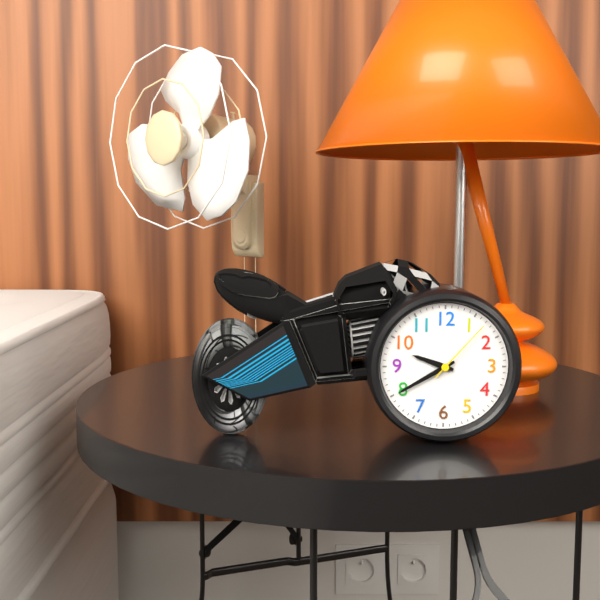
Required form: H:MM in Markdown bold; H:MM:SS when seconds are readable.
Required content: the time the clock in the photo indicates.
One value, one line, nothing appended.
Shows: **9:40:07**
